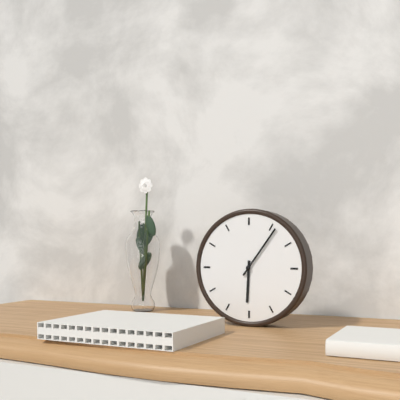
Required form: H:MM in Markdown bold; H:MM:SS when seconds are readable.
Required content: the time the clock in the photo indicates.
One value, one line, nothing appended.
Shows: **6:06**
